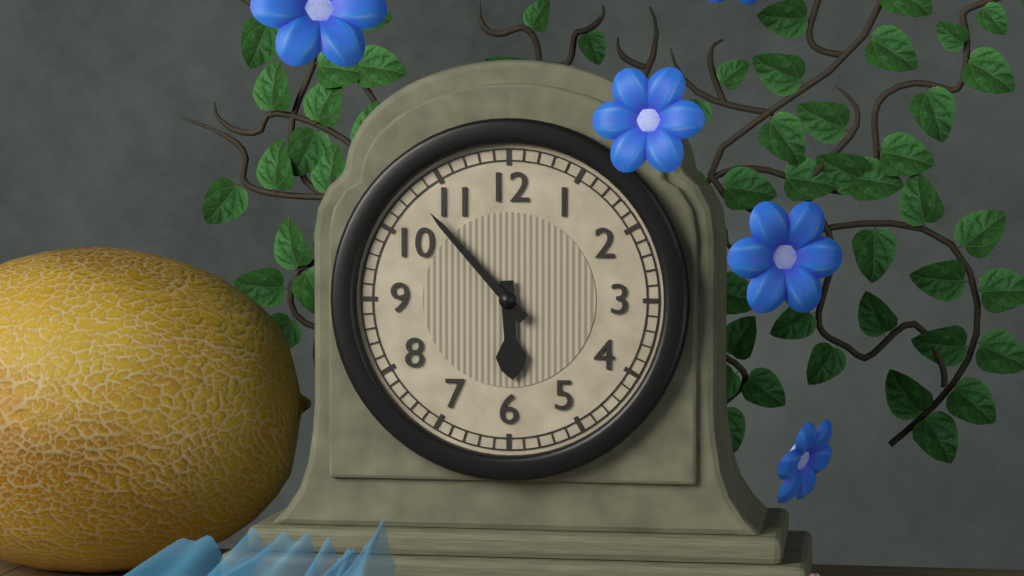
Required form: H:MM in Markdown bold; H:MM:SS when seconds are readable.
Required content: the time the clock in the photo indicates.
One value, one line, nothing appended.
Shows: **5:53**
